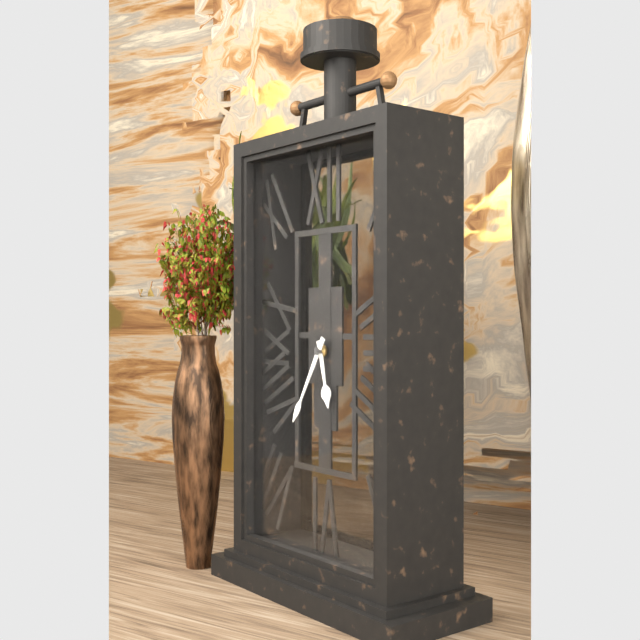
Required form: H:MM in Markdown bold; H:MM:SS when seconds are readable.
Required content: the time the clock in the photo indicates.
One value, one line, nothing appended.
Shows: **5:35**
